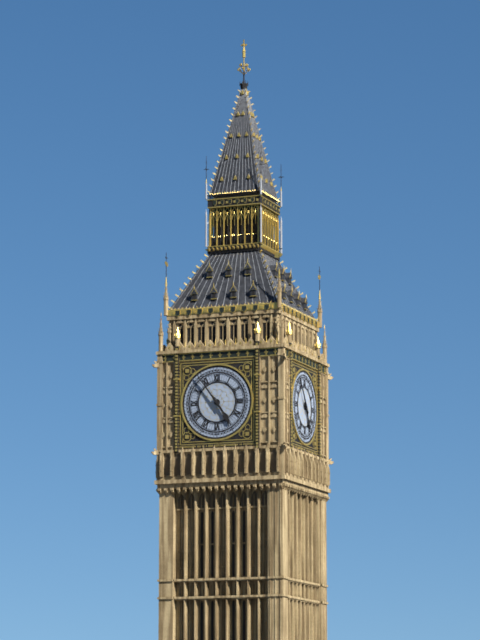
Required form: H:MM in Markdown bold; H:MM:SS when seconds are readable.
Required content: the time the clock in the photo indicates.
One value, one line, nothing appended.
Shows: **4:54**
